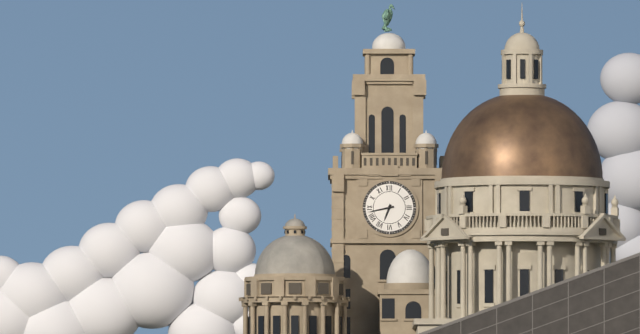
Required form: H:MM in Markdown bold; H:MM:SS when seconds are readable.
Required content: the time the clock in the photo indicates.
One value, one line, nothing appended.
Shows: **6:43**
